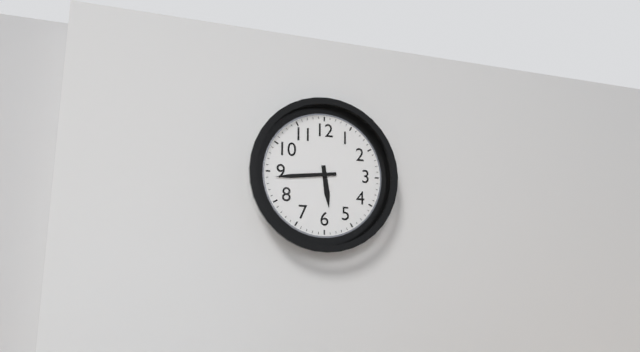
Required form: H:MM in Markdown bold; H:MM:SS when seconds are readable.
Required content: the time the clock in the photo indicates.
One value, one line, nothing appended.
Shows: **5:44**
